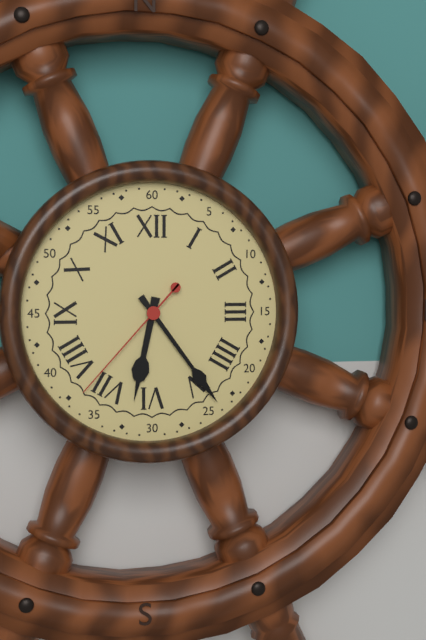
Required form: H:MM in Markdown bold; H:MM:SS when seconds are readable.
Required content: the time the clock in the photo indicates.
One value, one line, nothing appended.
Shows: **6:24:37**
